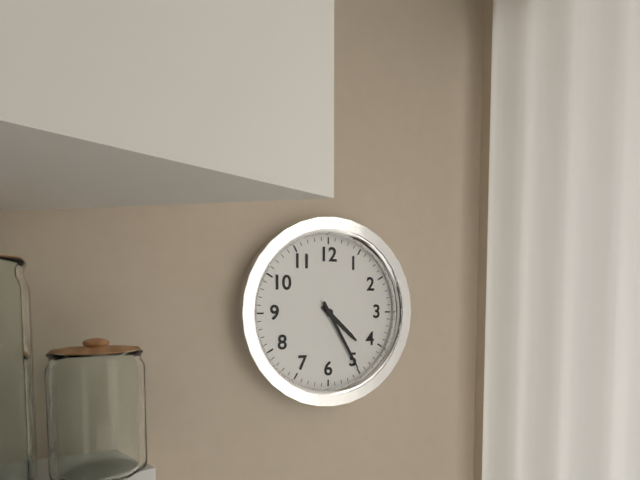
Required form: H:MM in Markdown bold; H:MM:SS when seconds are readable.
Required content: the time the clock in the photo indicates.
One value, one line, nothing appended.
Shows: **4:25**
